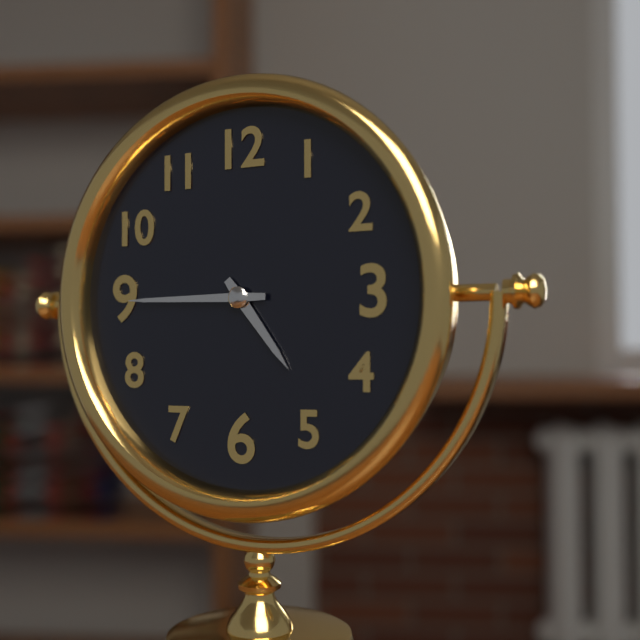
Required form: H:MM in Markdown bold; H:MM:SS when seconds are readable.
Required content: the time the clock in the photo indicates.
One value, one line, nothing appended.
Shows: **4:45**
